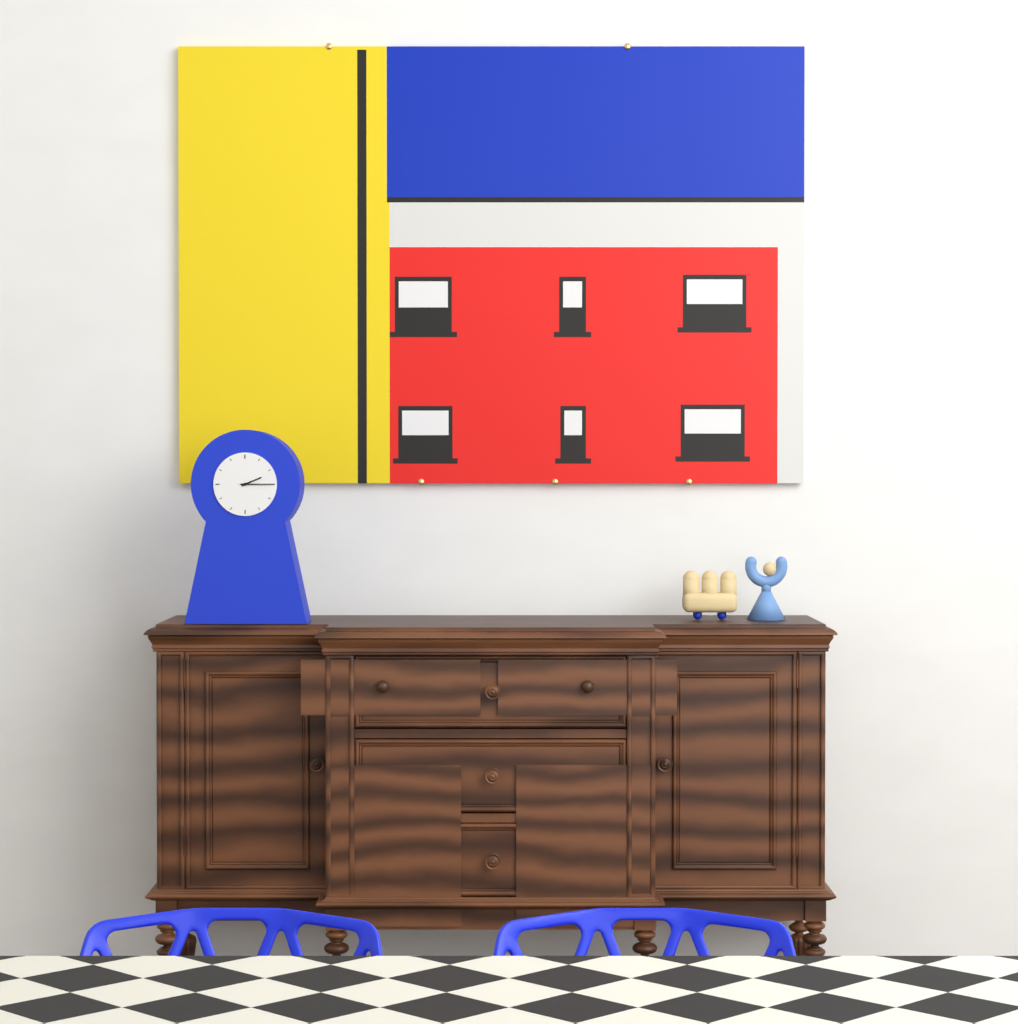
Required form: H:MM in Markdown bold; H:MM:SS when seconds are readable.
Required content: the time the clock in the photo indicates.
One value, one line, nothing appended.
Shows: **2:15**
